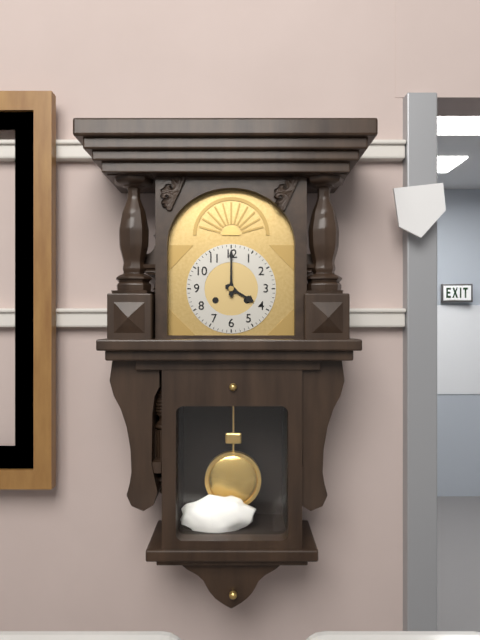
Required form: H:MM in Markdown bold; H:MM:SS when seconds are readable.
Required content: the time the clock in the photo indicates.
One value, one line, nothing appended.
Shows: **4:00**
